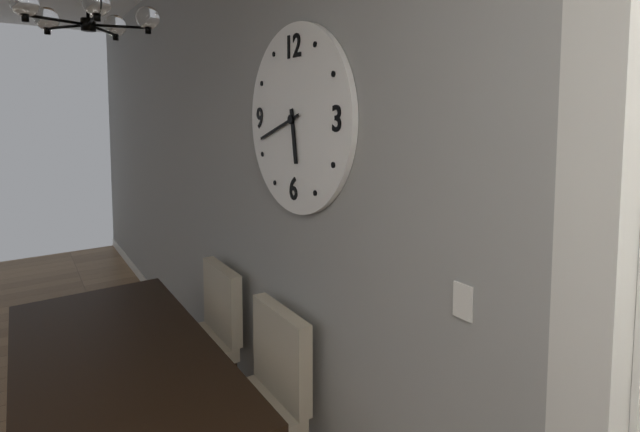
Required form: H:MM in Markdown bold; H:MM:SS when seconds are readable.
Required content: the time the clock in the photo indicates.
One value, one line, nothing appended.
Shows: **5:42**
